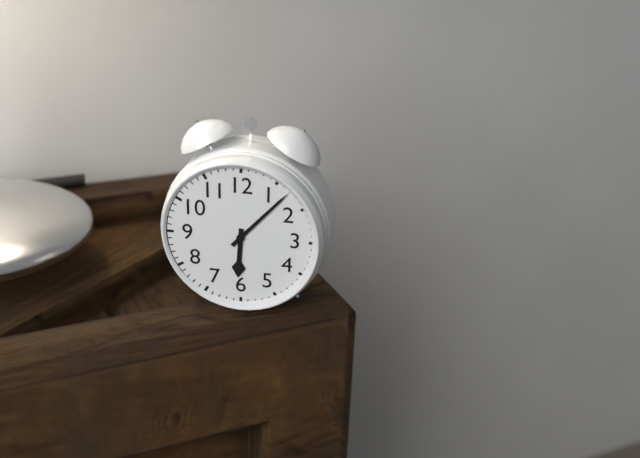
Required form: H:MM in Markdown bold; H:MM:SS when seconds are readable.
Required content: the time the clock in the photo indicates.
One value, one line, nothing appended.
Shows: **6:07**
